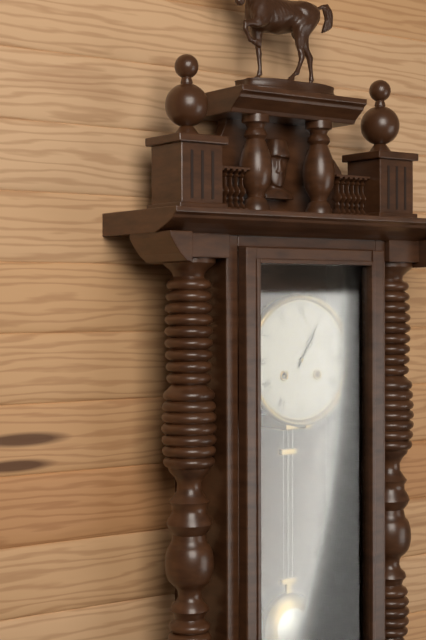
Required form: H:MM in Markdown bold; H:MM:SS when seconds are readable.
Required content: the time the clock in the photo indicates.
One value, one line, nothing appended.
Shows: **1:05**
